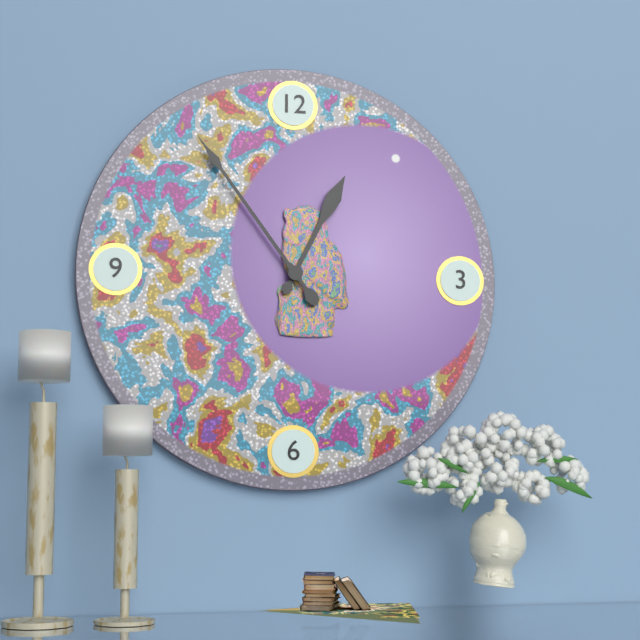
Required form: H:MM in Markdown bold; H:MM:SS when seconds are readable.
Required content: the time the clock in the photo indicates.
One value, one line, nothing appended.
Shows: **12:54**
